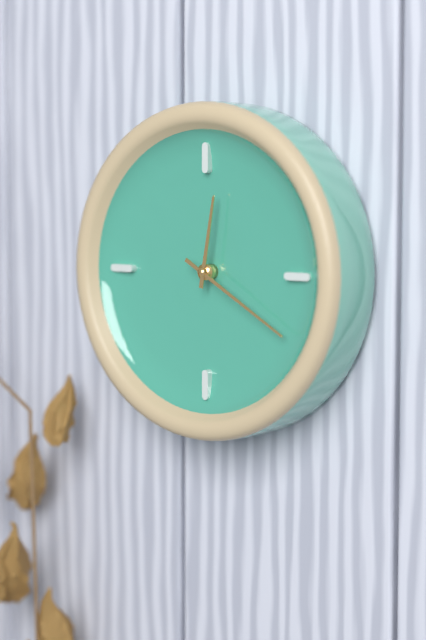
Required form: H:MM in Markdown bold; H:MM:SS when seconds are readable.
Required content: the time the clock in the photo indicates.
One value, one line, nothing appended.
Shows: **12:20**
